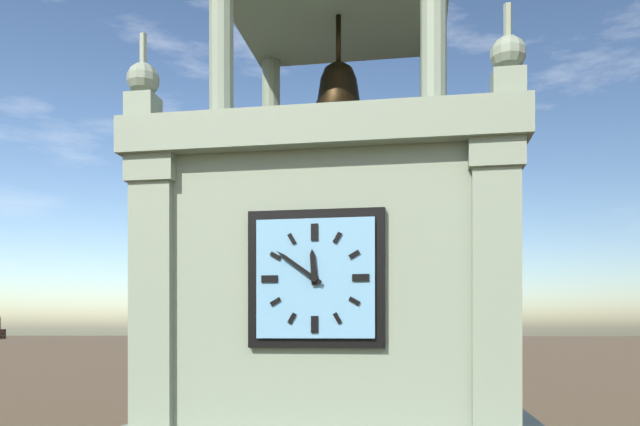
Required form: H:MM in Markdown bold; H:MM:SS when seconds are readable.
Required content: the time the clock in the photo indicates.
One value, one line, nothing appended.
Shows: **11:51**
